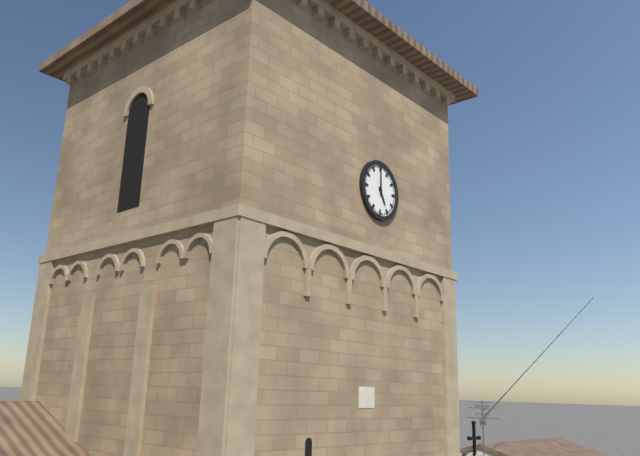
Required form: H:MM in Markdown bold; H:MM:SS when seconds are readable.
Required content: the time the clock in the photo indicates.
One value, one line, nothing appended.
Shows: **5:00**
